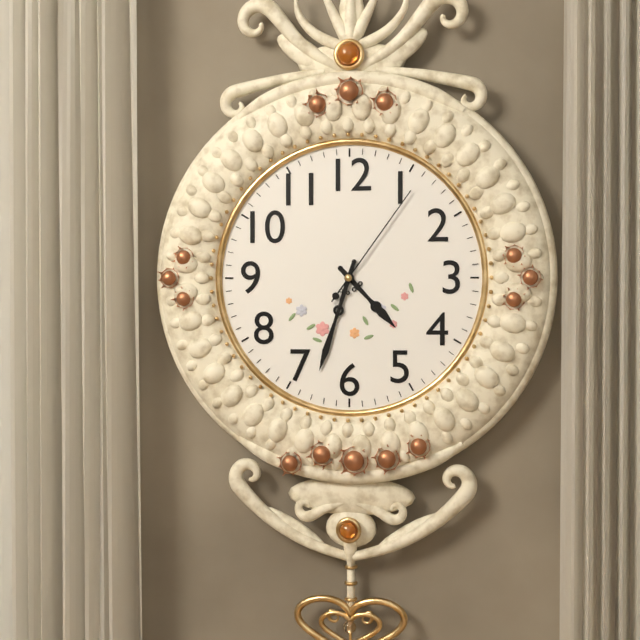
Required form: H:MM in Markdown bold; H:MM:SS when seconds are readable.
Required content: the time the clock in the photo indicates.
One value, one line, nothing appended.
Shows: **4:33:06**
